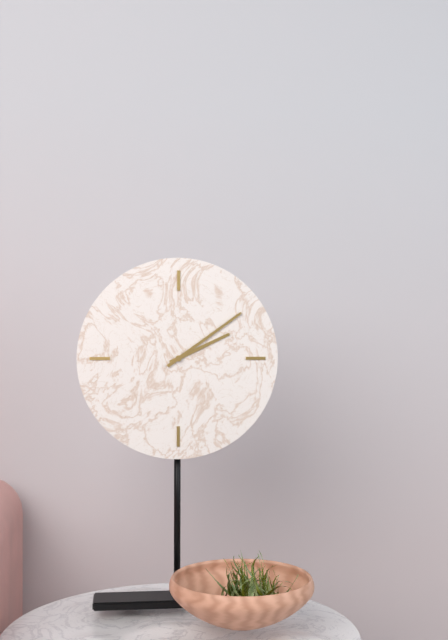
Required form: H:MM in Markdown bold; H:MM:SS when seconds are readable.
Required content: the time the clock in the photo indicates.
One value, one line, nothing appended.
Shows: **2:09**
